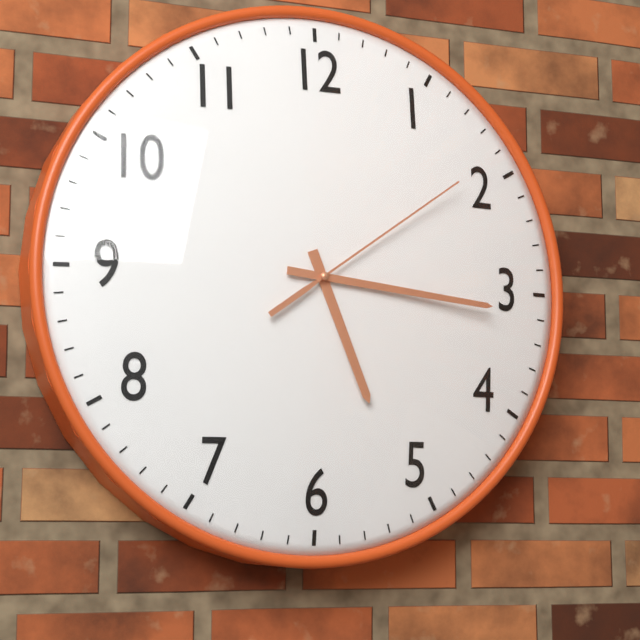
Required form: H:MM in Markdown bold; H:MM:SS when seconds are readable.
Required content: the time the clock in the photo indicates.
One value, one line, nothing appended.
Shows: **5:16:09**
